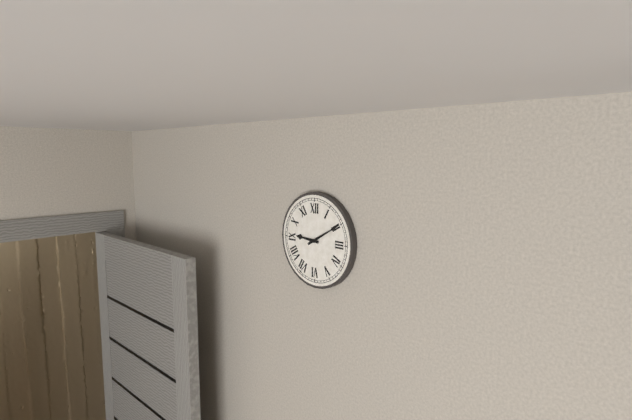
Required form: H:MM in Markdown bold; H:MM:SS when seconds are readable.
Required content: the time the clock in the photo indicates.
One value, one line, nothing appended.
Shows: **9:10**
